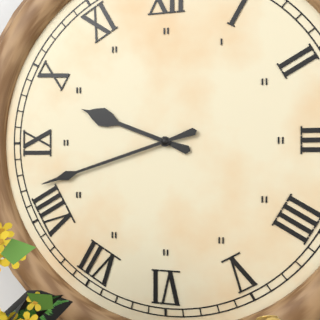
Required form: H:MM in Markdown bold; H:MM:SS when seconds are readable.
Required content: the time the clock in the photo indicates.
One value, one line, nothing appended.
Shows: **9:42**
